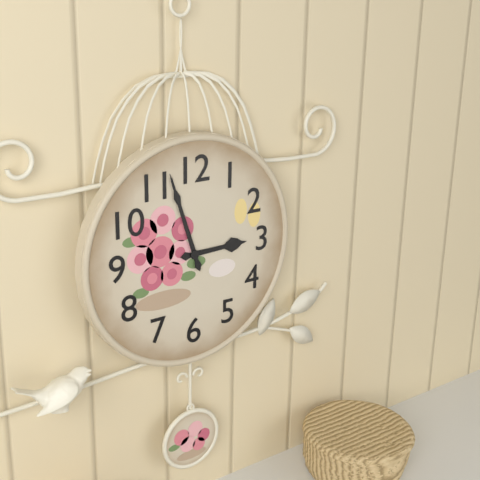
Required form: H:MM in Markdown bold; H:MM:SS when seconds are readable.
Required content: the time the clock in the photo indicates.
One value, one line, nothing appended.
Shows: **2:57**
